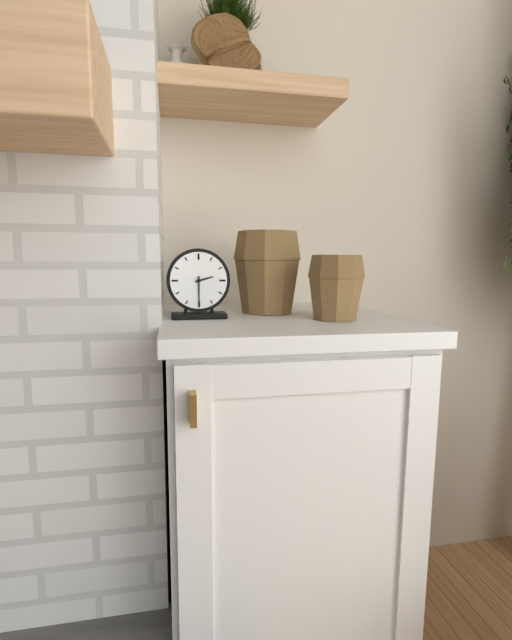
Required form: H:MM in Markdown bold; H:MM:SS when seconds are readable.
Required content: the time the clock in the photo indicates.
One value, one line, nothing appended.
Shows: **2:30**
